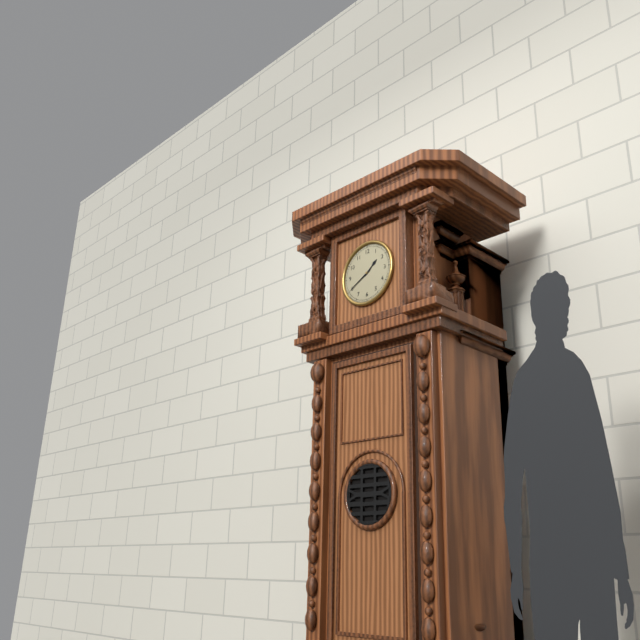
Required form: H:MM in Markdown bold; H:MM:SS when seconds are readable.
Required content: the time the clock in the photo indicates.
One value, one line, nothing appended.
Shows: **1:40**
